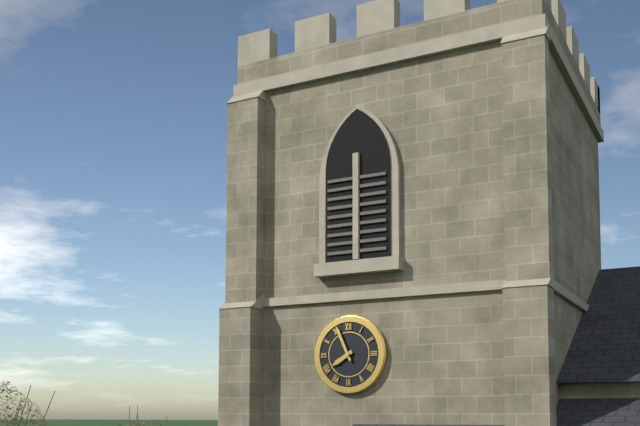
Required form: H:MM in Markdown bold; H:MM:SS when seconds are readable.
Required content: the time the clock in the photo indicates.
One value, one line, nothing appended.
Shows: **7:56**
